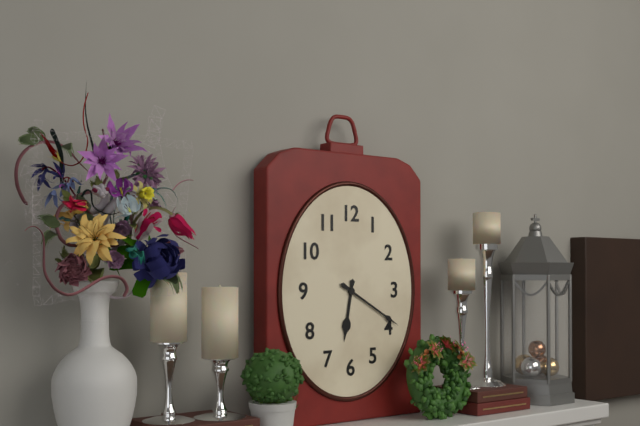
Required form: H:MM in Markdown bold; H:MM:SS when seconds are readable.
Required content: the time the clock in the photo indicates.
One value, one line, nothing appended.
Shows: **6:20**
